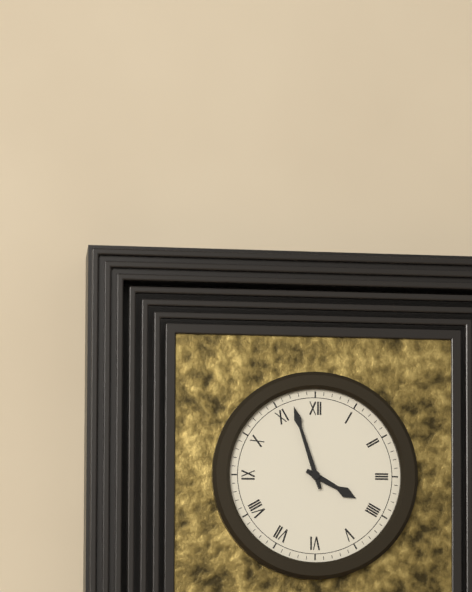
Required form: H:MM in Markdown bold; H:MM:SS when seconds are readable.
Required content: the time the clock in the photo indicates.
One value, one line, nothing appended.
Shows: **3:57**
